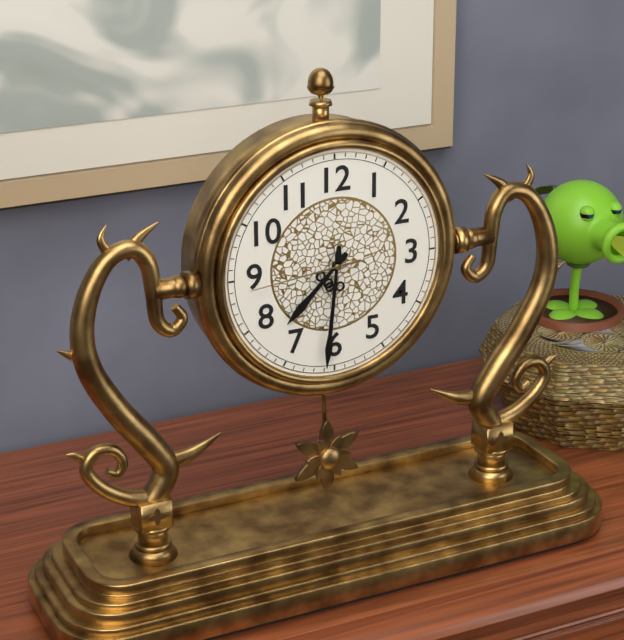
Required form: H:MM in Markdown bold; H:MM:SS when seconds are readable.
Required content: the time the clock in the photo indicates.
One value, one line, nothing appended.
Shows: **7:31:44**
